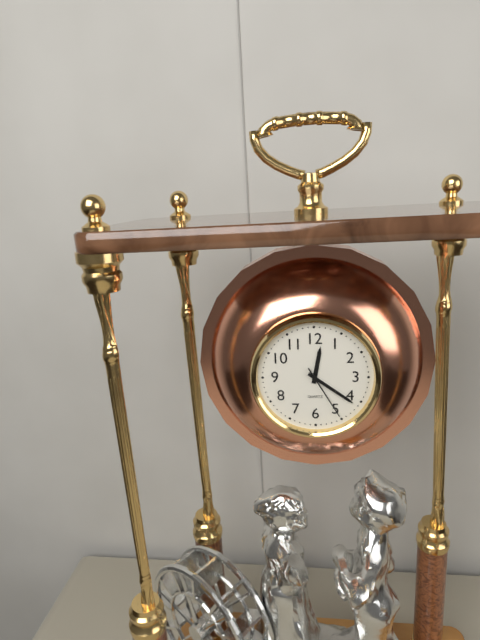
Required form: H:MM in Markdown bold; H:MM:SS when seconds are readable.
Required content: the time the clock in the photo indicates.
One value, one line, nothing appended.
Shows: **12:21:25**
